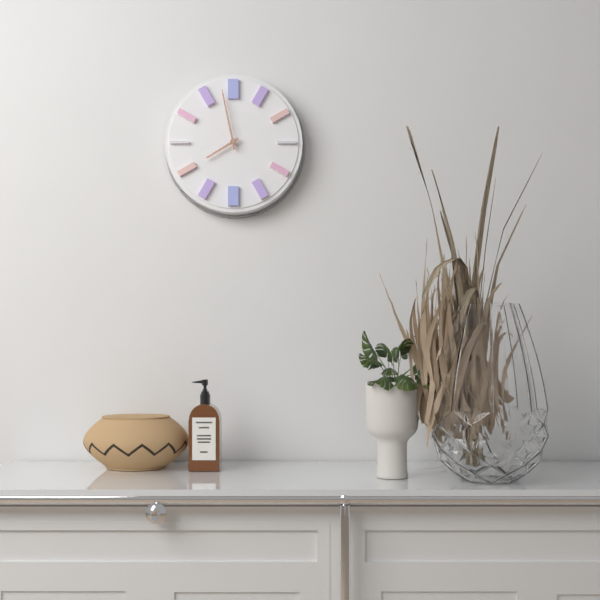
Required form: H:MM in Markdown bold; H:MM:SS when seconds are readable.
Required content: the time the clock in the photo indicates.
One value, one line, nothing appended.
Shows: **7:58**
